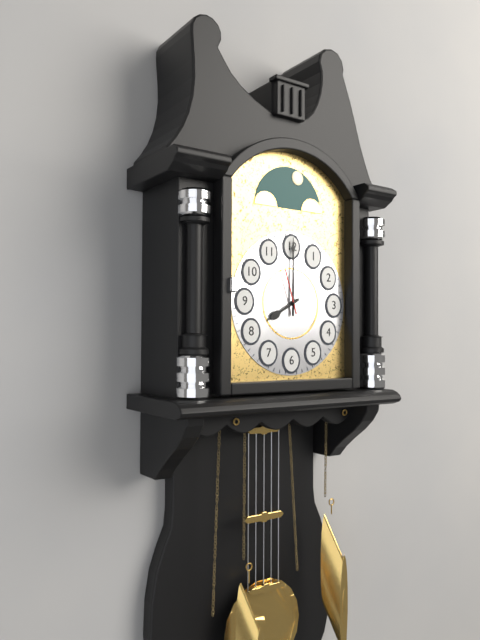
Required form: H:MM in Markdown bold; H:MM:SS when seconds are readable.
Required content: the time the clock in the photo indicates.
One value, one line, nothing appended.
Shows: **8:00**
